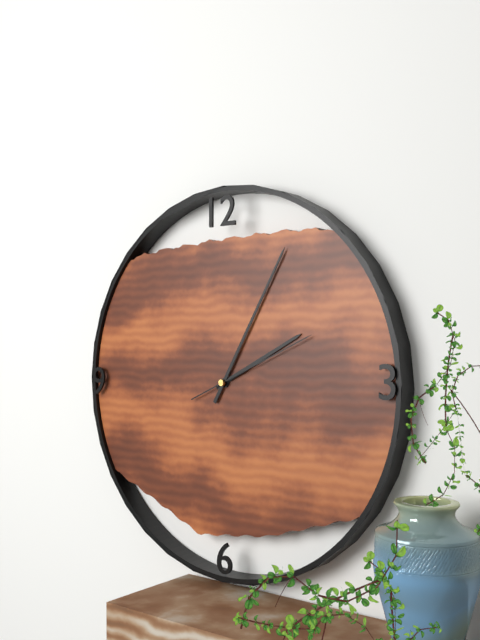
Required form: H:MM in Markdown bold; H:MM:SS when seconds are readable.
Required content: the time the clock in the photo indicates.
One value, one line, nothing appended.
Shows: **2:05:11**
